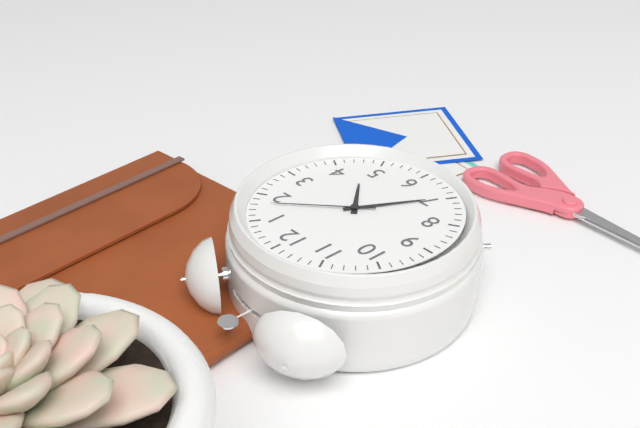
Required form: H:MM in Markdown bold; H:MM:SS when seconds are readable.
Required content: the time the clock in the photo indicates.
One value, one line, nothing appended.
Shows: **4:35:08**
